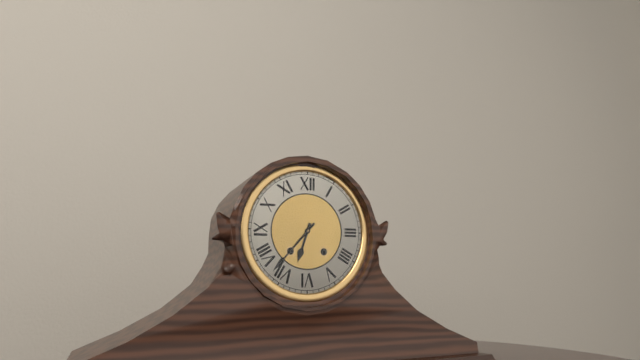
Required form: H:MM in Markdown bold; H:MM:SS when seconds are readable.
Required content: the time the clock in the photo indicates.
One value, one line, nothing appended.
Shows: **6:37**
